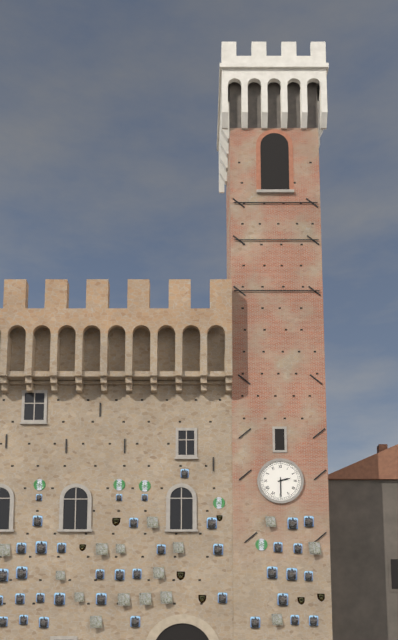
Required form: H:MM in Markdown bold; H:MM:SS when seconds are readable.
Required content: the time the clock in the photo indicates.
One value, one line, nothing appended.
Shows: **2:30**
